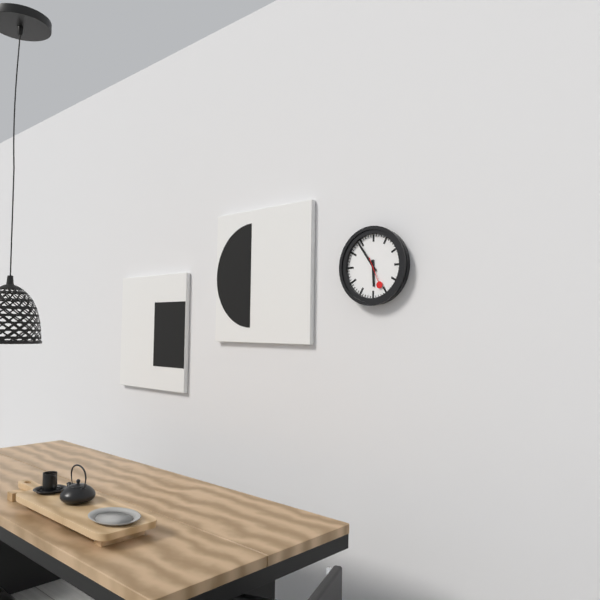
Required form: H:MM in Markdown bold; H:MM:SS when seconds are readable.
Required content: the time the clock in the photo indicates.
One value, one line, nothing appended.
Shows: **5:54**
